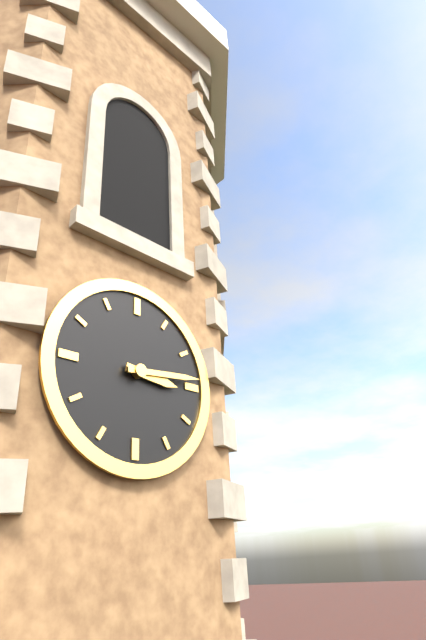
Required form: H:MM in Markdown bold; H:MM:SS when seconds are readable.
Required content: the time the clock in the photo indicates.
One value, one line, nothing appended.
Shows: **3:14**
